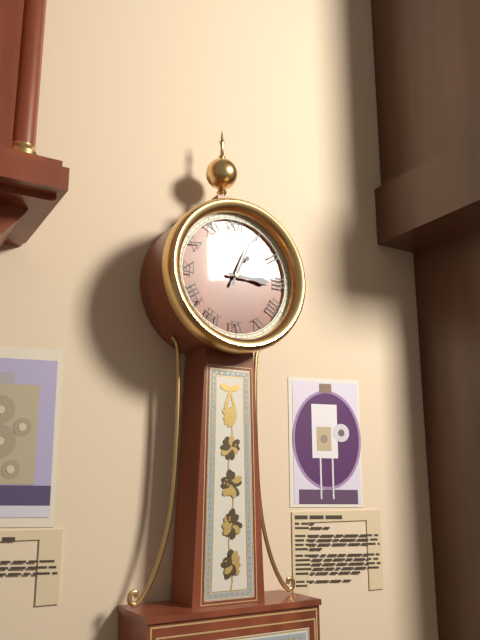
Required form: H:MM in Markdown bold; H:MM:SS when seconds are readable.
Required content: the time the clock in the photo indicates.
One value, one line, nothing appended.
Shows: **3:04**
